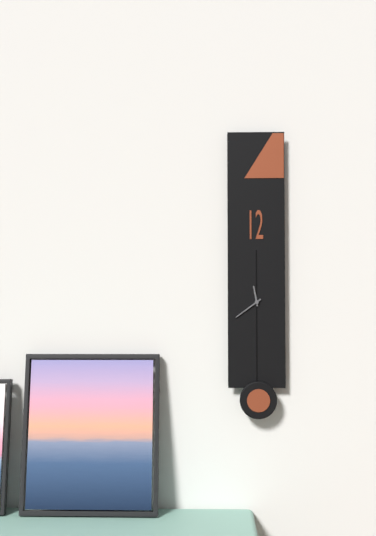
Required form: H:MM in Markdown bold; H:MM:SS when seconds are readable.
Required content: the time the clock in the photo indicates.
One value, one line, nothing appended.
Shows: **11:39**
